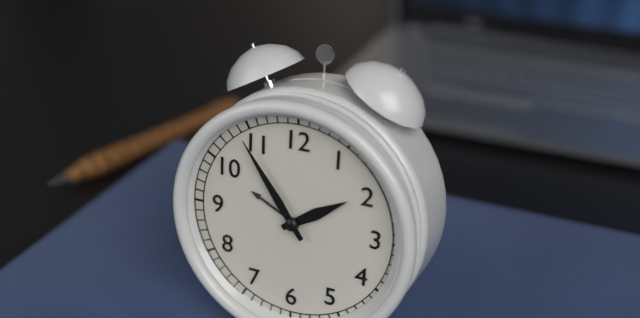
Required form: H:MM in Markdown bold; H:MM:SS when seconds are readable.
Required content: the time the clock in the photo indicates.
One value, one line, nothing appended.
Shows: **1:54**
